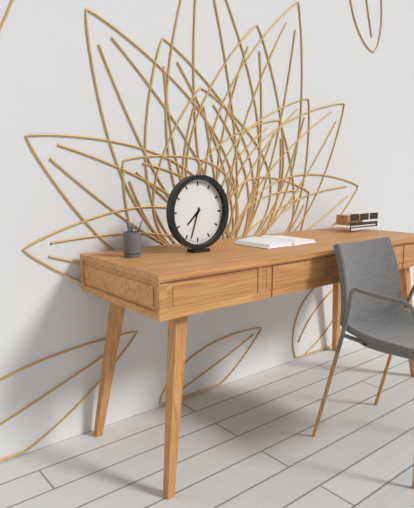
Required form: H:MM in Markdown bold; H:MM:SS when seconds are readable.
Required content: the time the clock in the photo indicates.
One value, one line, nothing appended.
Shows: **7:33**
